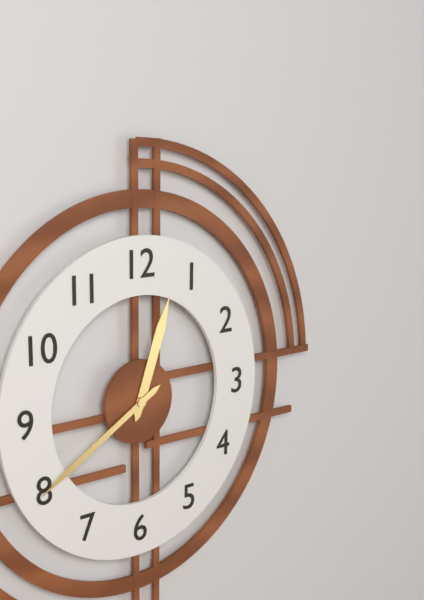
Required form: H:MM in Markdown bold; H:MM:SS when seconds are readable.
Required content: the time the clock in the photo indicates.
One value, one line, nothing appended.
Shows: **12:40**
